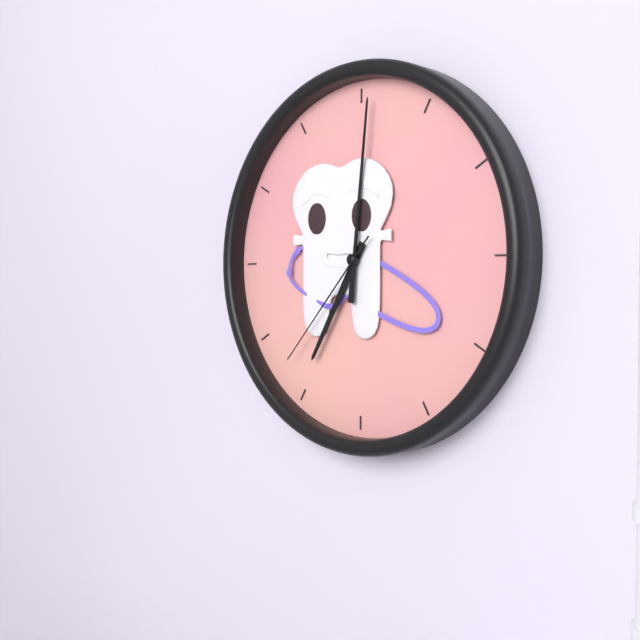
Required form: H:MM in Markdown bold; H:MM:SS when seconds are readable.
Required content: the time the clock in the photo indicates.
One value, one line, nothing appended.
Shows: **7:01:37**
